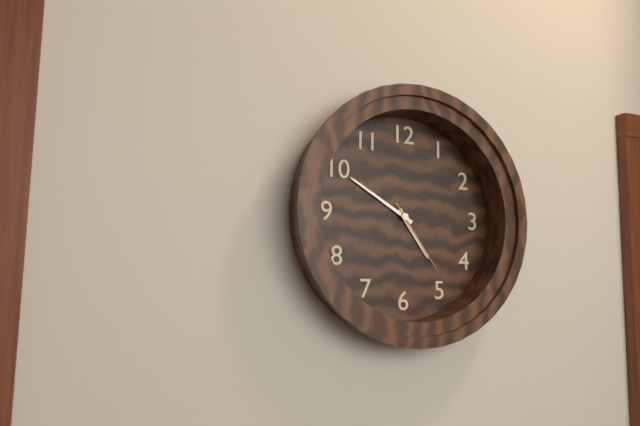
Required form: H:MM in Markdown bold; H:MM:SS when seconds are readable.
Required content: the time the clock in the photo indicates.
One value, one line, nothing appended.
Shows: **4:50:24**
